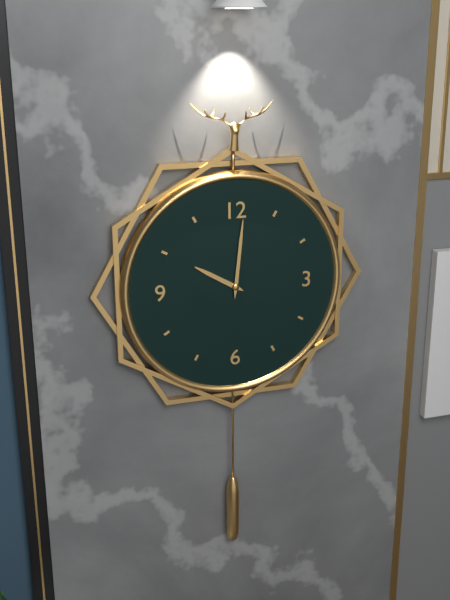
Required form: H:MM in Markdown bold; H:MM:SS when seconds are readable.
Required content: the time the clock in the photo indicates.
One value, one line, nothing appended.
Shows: **10:01**
